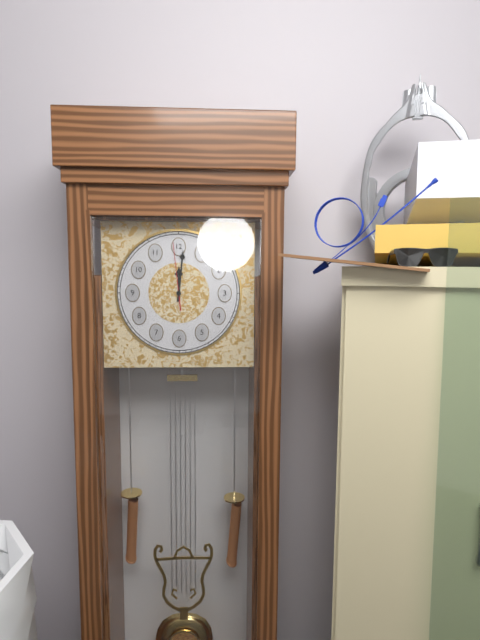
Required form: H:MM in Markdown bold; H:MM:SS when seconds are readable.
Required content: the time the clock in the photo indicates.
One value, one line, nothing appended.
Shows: **12:01:59**
